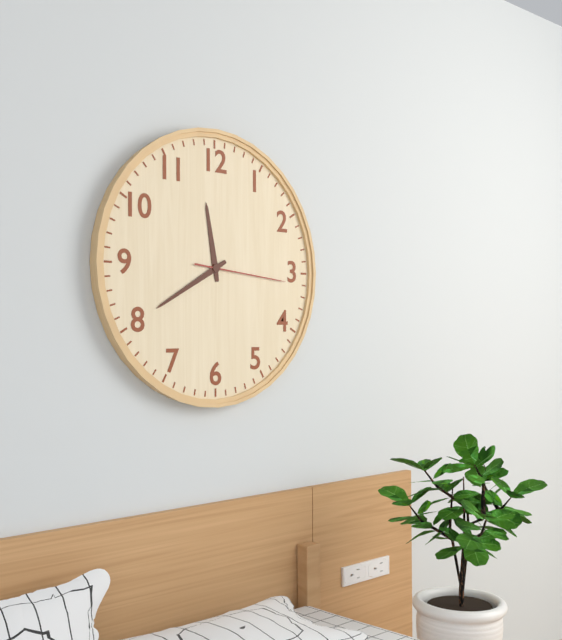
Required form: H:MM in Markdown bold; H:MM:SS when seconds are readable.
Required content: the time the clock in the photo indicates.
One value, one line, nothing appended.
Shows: **11:40:16**
